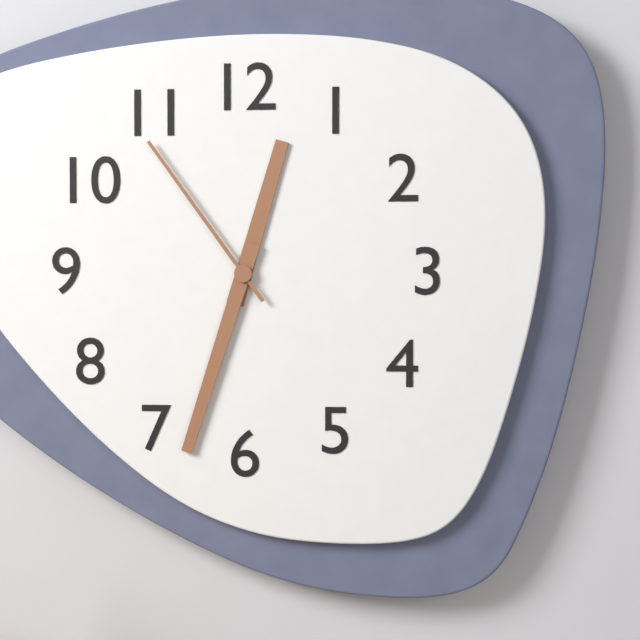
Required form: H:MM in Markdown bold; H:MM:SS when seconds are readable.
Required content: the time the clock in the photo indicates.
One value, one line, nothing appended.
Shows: **12:33:54**
